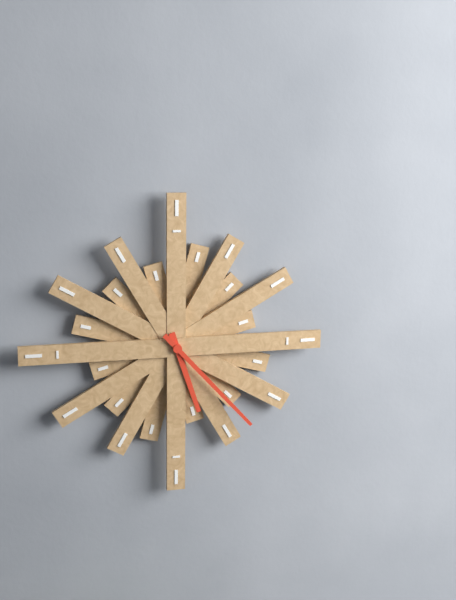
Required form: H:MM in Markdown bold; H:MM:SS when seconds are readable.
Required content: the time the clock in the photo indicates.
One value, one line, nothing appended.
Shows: **5:23**
